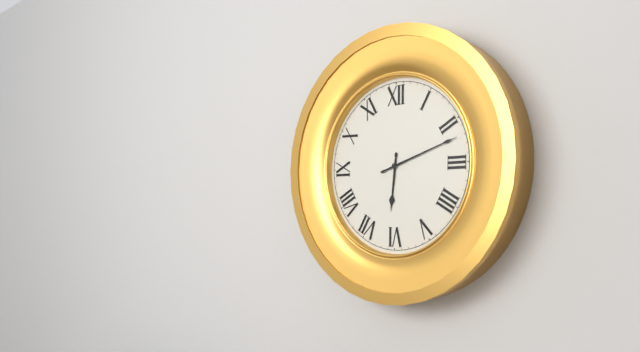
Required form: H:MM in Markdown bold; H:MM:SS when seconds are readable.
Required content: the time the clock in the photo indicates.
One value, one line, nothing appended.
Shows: **6:12**
